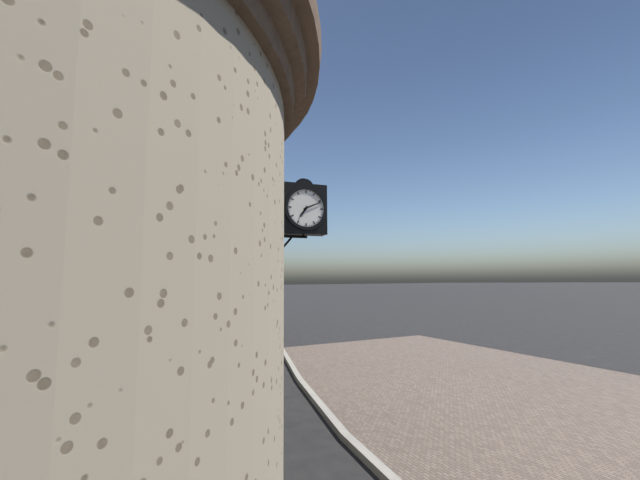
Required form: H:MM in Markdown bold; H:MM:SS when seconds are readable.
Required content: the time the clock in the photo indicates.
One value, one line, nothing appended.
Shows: **7:11**
